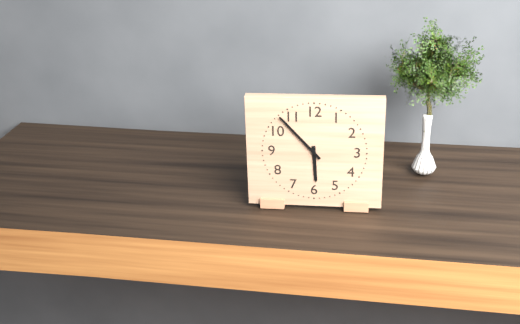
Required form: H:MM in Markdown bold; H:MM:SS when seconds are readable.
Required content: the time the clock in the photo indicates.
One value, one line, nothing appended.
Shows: **5:53**
